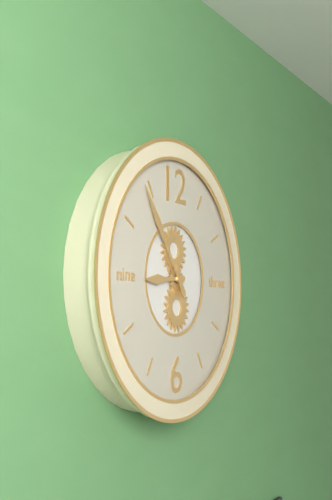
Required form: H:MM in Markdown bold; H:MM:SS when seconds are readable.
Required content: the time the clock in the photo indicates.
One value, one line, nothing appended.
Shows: **8:54**
